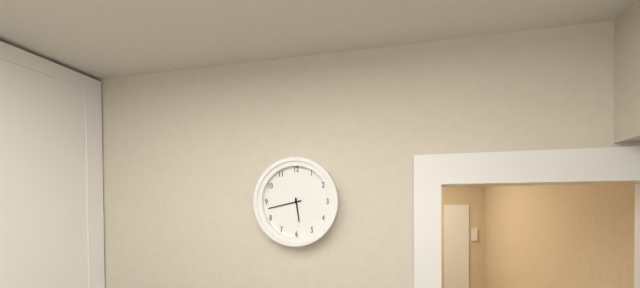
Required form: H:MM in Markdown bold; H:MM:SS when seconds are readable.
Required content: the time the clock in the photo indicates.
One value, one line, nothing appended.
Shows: **5:43**
